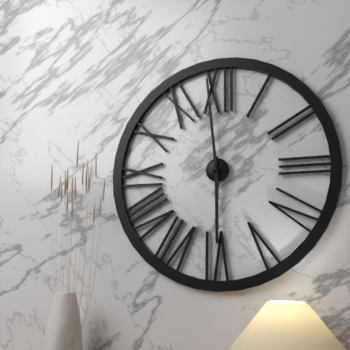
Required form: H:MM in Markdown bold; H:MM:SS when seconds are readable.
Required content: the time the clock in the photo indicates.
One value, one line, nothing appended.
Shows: **5:59**
